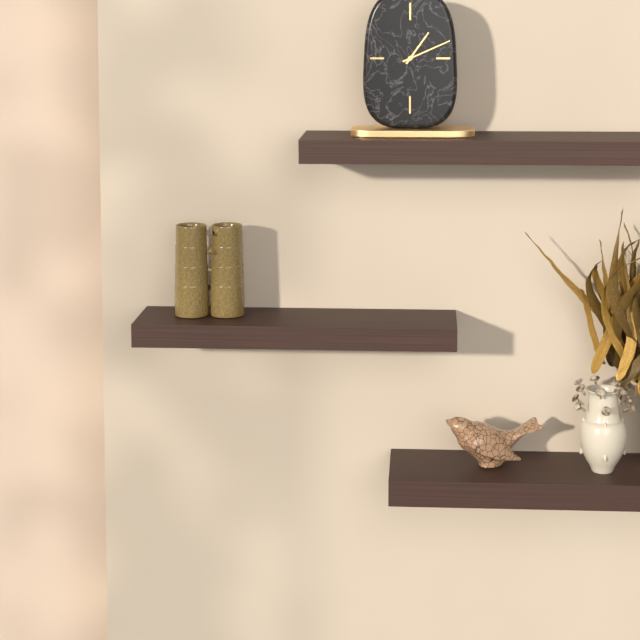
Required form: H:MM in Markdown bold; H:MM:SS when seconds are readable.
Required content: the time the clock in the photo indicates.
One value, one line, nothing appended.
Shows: **1:11**
